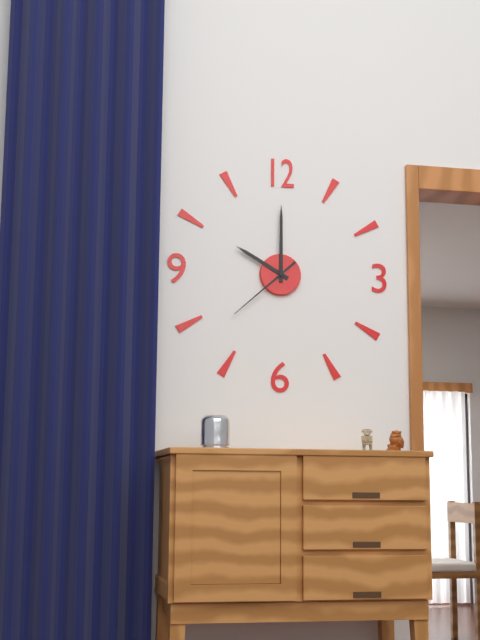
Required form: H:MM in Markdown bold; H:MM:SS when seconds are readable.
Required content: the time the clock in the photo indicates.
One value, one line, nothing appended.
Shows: **10:00:38**
